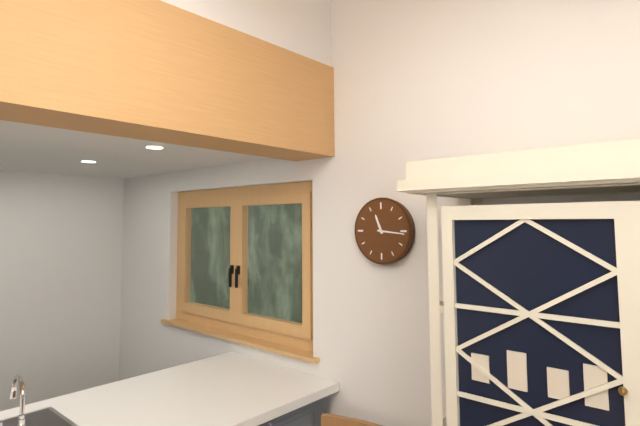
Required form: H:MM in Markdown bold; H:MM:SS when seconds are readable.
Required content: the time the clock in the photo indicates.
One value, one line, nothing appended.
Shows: **11:16**
